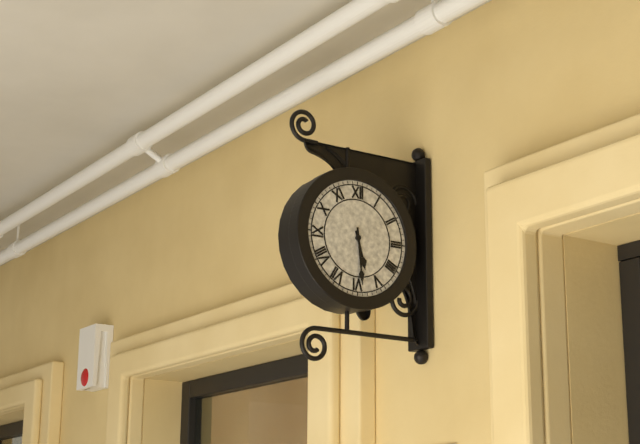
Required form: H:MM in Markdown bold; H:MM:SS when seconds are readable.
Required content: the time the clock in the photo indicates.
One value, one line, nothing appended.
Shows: **5:29**
